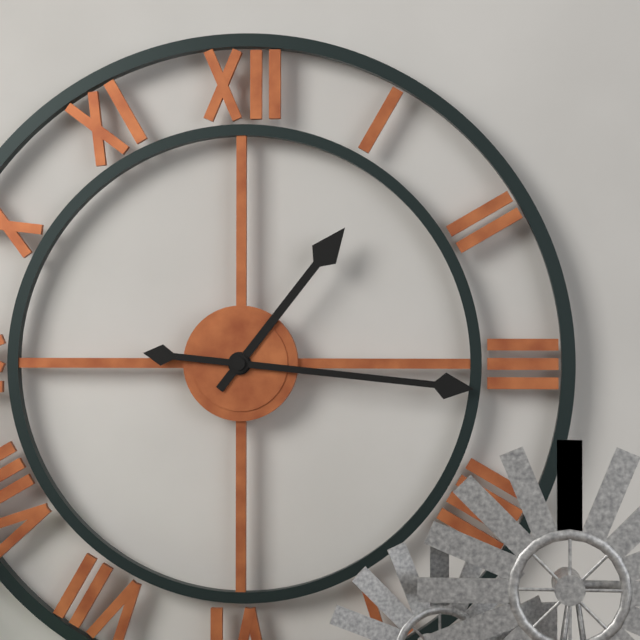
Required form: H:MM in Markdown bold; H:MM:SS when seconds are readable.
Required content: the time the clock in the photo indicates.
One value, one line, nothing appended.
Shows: **1:16**
